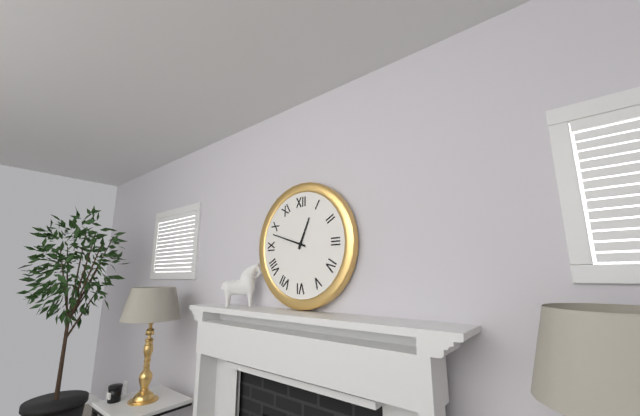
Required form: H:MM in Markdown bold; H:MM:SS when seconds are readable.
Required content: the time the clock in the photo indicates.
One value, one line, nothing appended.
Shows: **12:48**
